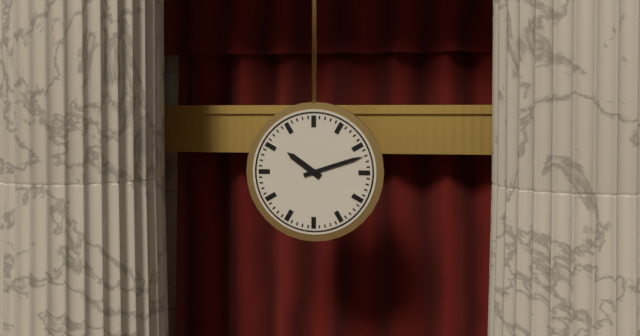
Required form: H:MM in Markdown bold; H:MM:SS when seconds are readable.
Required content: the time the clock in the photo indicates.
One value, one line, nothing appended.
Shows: **10:12**
